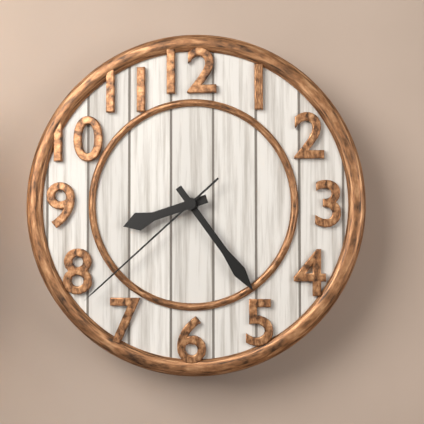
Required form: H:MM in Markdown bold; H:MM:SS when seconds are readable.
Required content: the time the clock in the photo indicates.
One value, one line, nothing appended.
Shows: **8:24:38**
